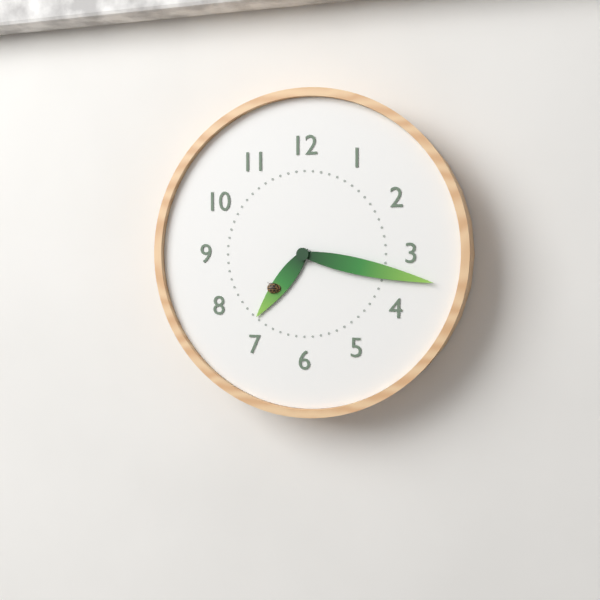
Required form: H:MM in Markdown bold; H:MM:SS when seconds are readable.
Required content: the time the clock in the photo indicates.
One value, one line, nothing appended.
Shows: **7:17**
